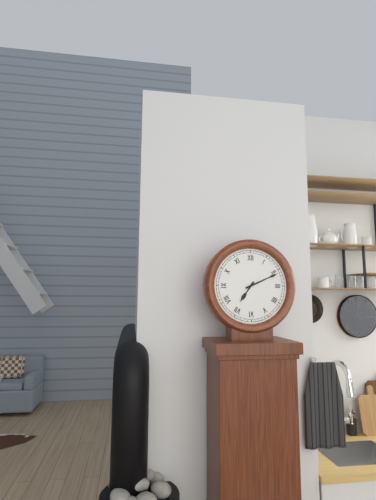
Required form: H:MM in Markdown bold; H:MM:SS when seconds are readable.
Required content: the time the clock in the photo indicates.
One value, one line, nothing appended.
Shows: **7:11**
